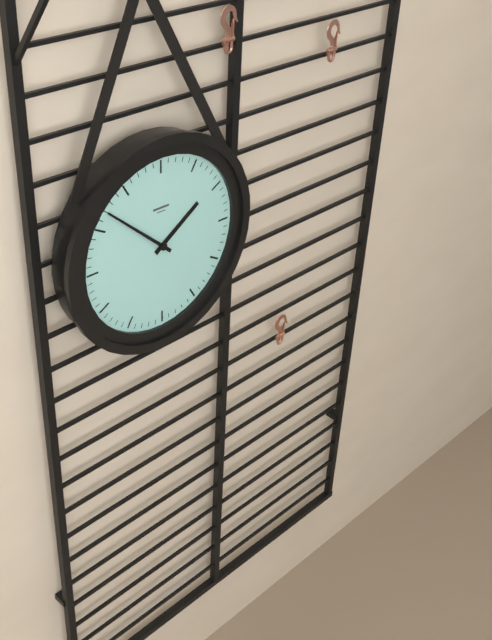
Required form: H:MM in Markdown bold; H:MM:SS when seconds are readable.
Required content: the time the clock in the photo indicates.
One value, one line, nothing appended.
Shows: **1:52**
